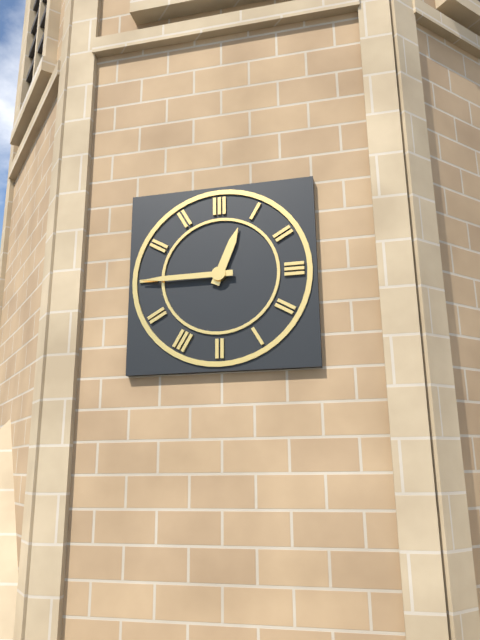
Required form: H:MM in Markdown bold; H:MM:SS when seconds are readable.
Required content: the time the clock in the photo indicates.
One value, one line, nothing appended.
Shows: **12:45**
